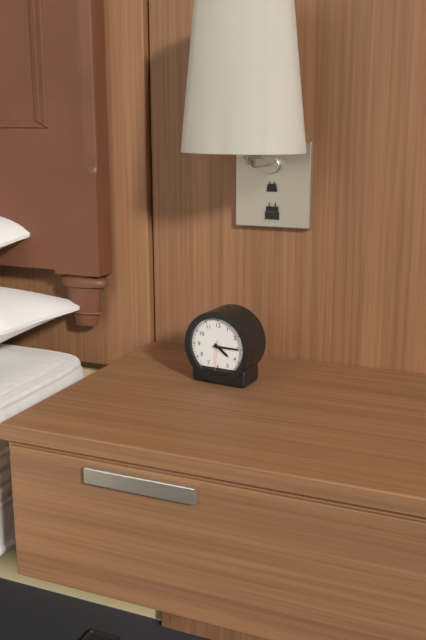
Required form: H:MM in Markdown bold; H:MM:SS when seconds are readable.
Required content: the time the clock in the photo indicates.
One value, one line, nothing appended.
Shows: **4:15**
